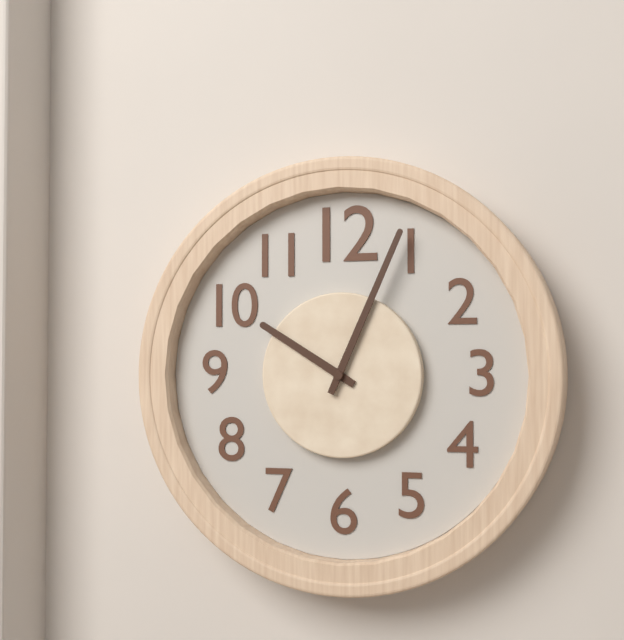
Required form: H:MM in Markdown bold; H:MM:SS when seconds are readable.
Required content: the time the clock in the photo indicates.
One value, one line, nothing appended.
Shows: **10:04**
